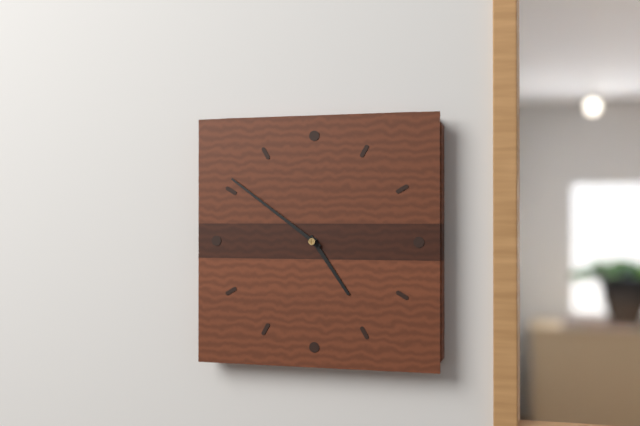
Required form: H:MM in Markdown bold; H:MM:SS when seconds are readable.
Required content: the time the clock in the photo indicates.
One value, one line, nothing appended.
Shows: **4:51**
